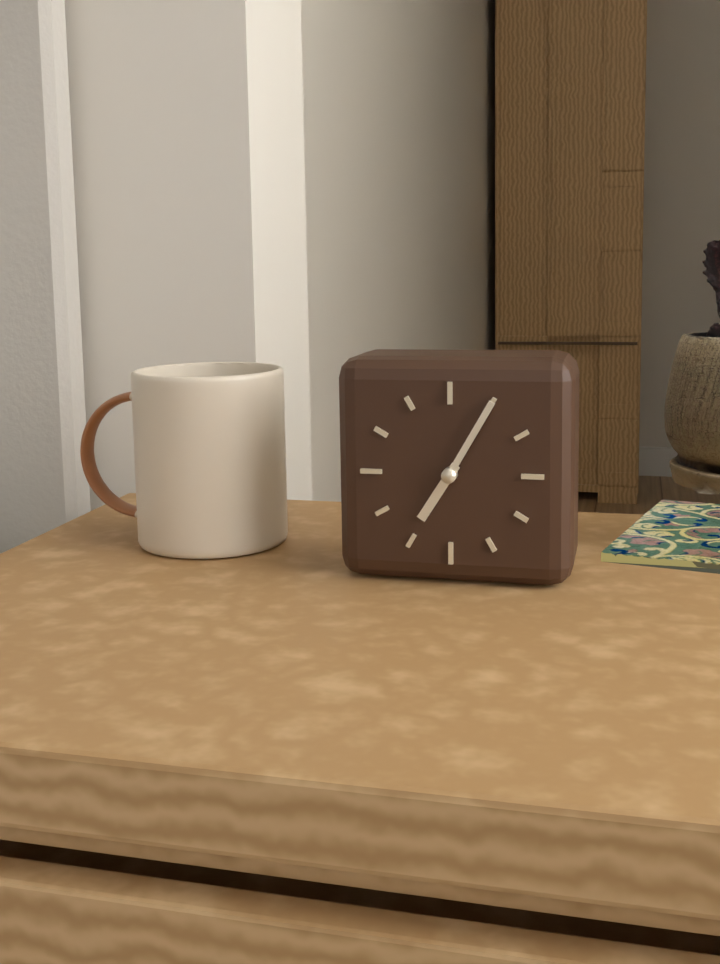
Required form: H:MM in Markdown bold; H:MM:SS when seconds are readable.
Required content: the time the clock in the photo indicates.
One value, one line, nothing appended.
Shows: **7:05**
